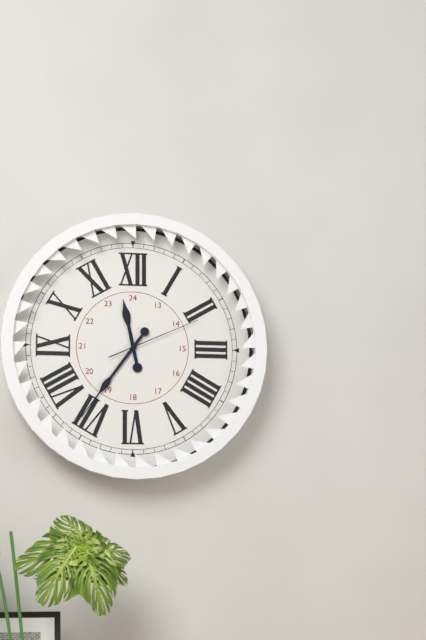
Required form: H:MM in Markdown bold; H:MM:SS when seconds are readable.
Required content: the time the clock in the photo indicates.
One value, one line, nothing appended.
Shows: **11:36:11**
